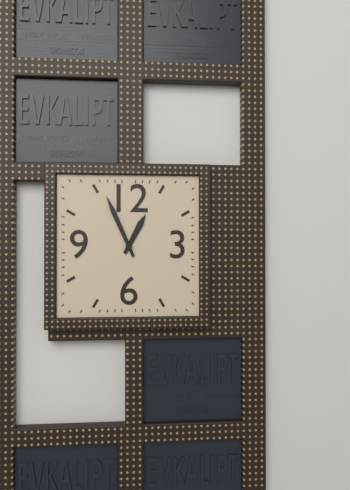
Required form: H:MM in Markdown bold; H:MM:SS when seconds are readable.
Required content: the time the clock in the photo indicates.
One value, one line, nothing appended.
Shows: **12:56**
